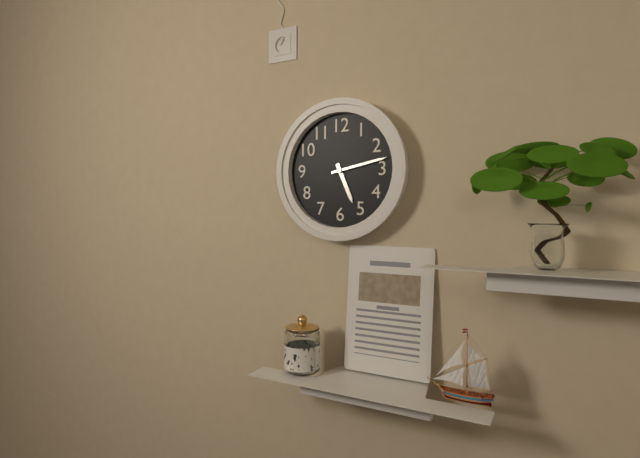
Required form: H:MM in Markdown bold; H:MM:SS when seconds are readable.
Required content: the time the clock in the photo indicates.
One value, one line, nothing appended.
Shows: **5:13**
